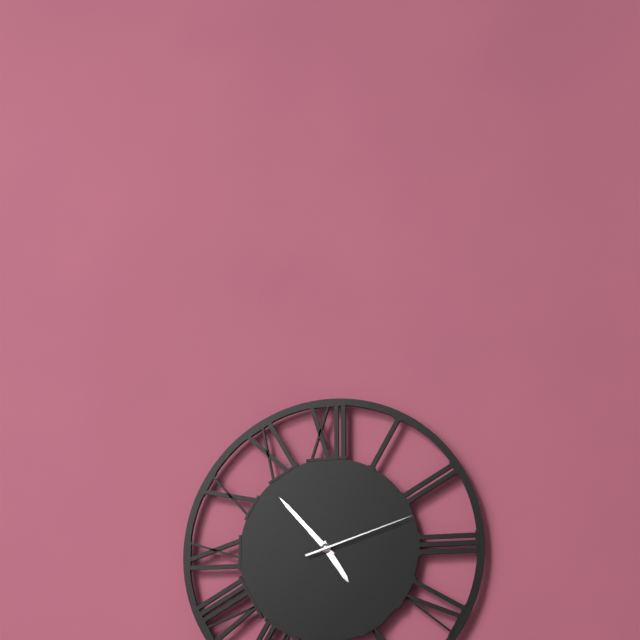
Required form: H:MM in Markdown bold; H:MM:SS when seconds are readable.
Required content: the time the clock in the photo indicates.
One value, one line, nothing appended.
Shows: **4:53:12**
